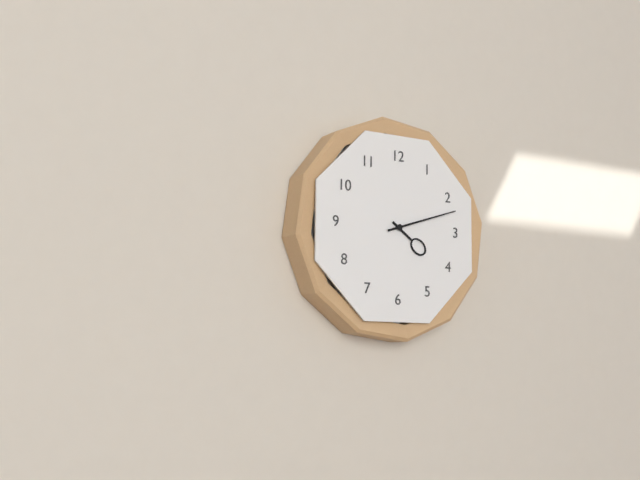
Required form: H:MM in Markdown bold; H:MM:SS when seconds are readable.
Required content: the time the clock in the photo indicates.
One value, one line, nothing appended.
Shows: **4:12**
